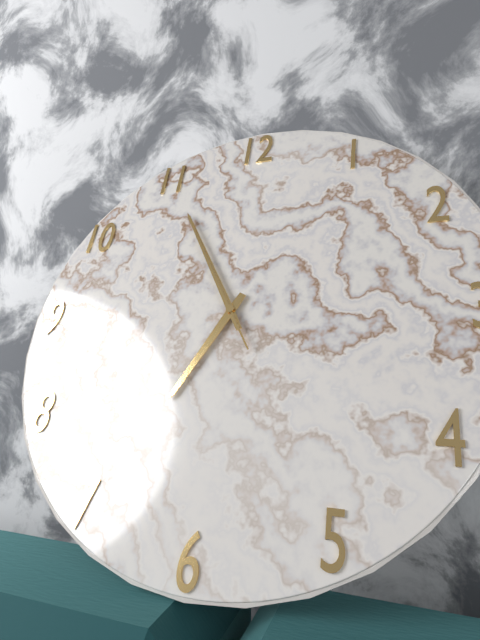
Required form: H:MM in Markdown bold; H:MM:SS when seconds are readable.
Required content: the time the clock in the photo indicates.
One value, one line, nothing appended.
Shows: **6:55:55**
